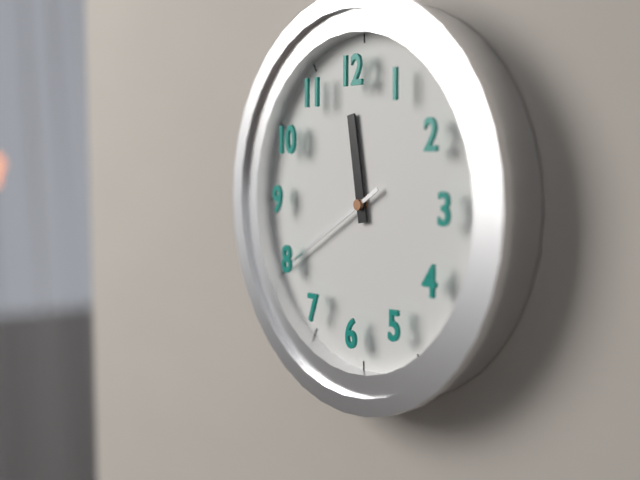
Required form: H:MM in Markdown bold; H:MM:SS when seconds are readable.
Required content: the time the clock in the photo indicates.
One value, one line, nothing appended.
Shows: **11:40**
